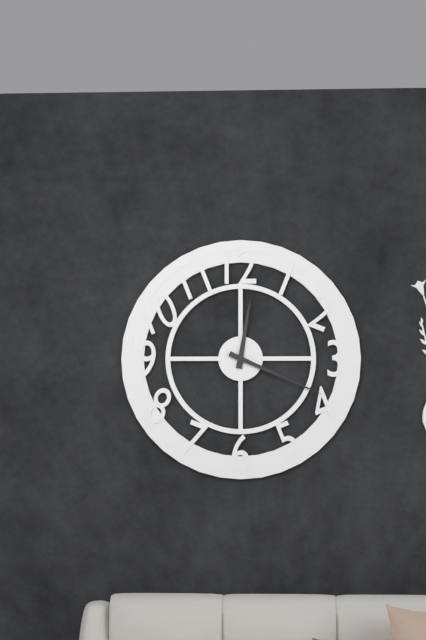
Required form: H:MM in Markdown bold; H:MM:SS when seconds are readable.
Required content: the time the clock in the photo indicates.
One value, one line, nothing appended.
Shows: **12:19**
